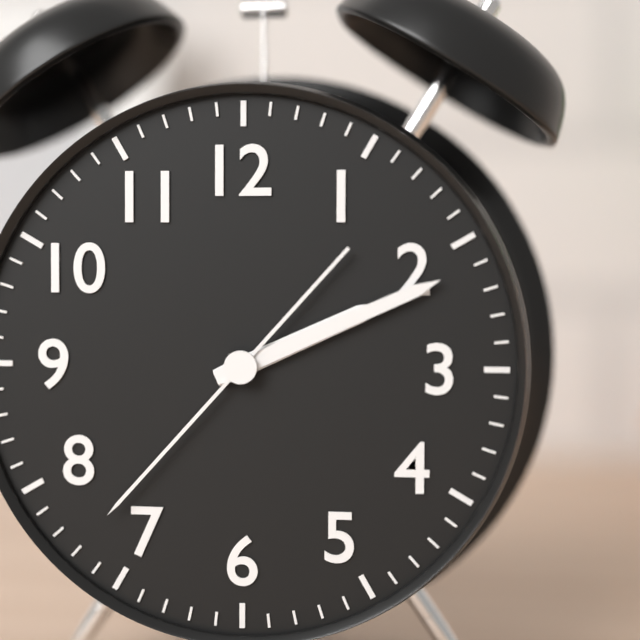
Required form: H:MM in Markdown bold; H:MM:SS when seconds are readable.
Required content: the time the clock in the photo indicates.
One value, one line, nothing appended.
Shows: **2:11:37**
